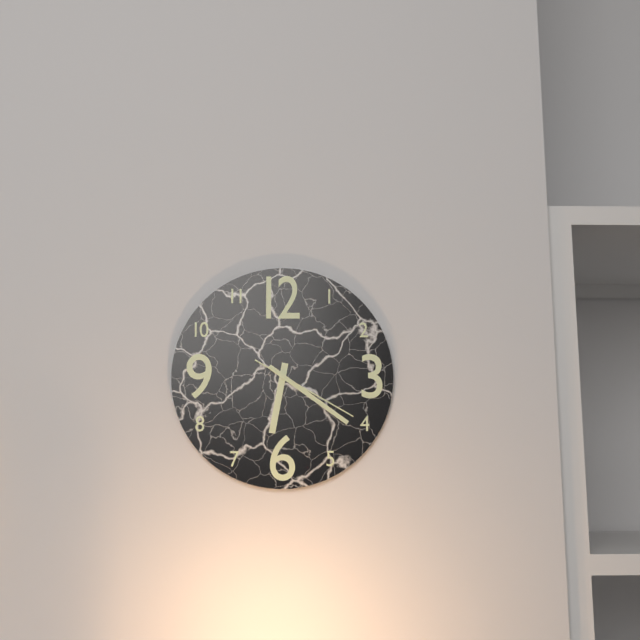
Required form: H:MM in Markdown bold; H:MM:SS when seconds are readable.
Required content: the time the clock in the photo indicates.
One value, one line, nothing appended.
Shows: **6:21:20**
